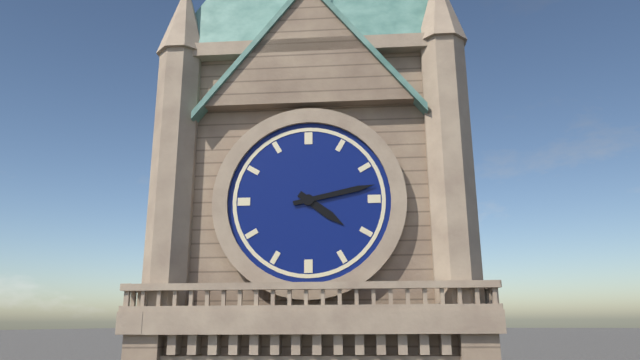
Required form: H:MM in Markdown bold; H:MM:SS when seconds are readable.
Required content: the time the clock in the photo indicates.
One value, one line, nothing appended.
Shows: **4:13**
